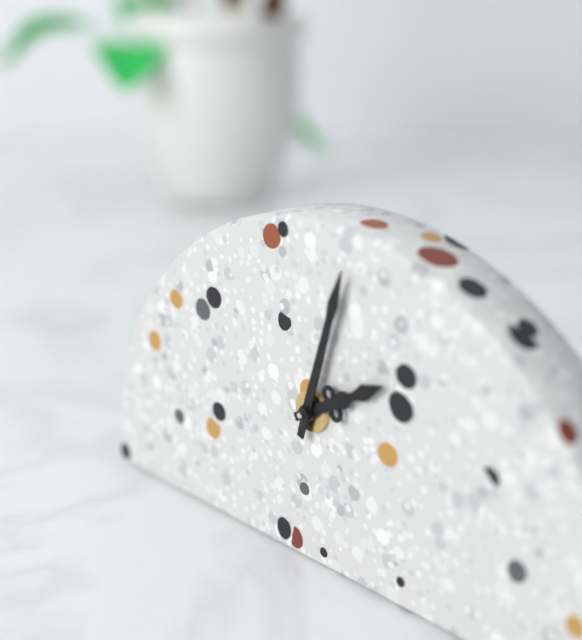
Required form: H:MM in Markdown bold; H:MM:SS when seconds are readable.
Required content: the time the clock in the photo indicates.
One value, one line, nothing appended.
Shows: **2:03**
